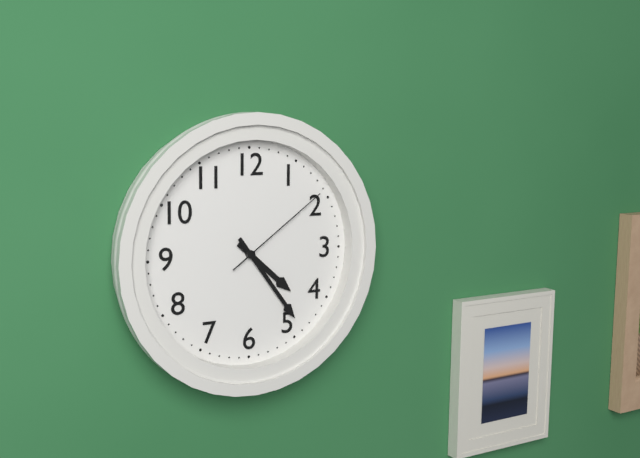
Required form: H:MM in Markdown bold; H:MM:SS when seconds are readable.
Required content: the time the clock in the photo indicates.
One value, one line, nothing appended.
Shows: **4:24:09**
